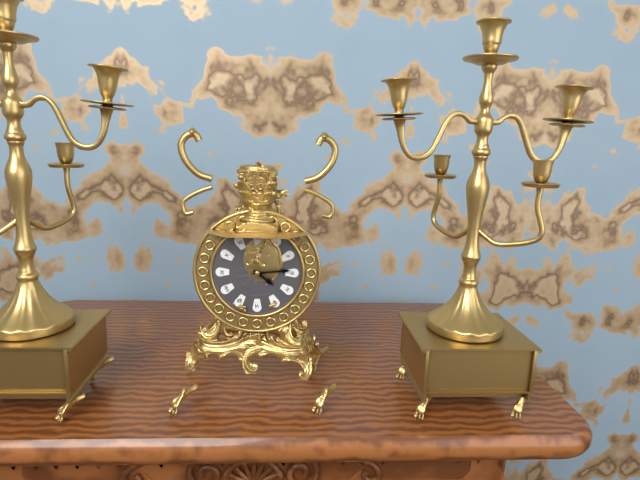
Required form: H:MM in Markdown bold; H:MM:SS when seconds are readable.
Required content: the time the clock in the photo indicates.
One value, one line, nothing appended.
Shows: **4:14**
